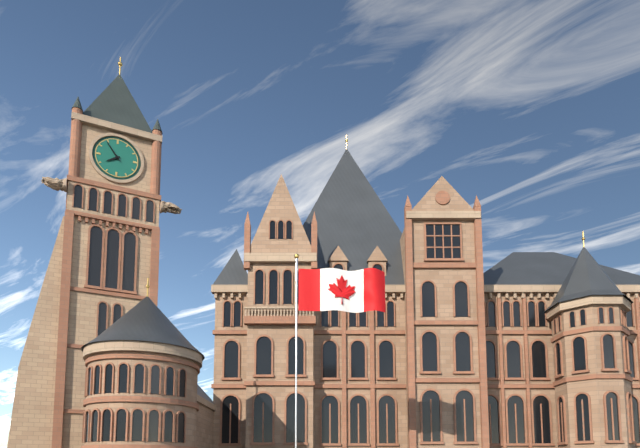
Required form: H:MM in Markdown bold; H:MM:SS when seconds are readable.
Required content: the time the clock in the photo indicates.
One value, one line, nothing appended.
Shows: **7:54**
